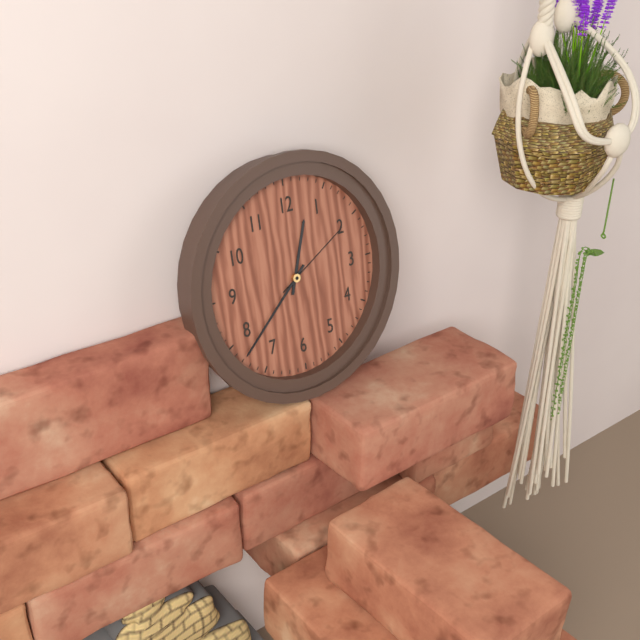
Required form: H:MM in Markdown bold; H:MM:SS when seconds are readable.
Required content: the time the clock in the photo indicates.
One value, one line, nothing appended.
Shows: **12:38:10**
